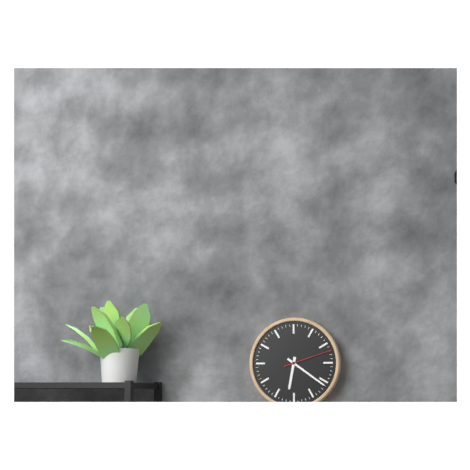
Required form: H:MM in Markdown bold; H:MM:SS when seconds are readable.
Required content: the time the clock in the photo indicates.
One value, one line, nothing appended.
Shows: **6:21**
